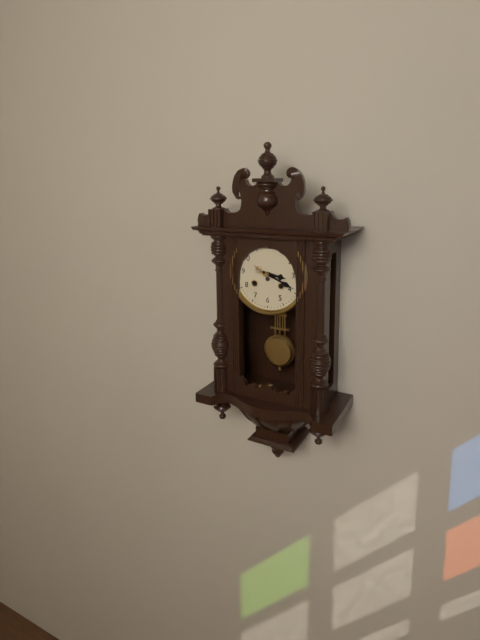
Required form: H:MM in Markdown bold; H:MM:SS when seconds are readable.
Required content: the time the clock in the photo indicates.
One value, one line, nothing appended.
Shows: **3:19**
